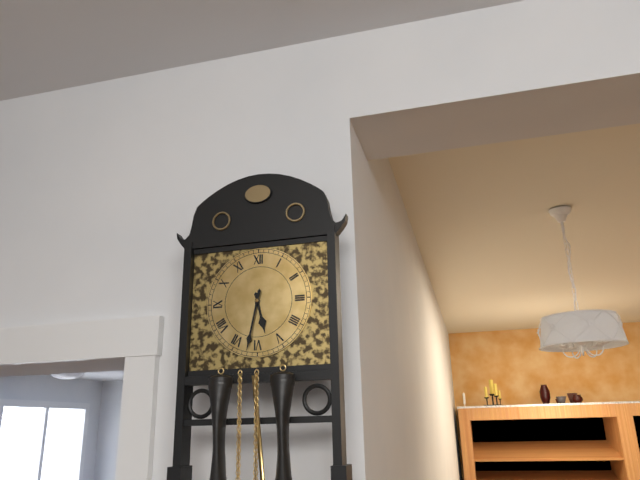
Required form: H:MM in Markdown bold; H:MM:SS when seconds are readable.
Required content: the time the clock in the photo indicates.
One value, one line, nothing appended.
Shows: **5:32**
